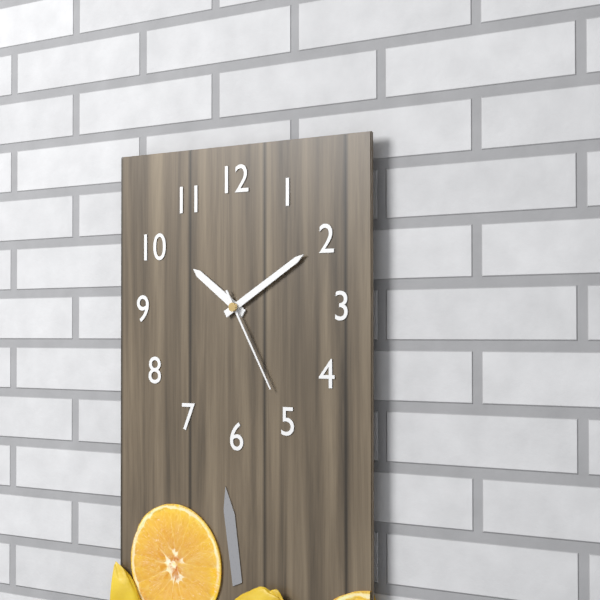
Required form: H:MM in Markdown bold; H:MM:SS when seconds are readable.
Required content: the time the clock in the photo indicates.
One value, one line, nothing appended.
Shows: **10:10:25**
